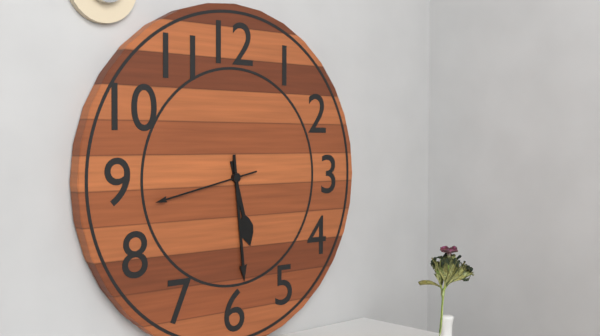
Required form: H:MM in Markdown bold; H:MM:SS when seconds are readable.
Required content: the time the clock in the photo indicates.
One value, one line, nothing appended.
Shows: **5:29:43**
